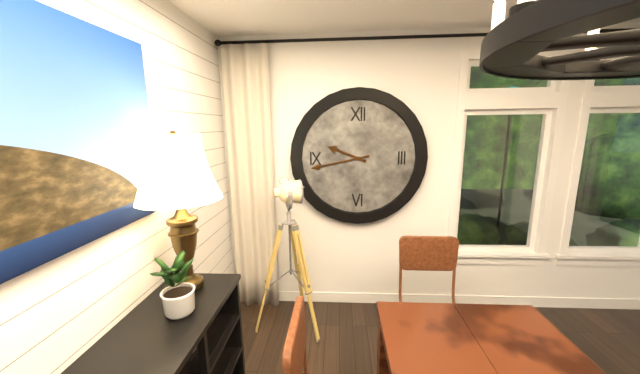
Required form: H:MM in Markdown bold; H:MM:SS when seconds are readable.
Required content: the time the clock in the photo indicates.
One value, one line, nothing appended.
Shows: **9:43**
